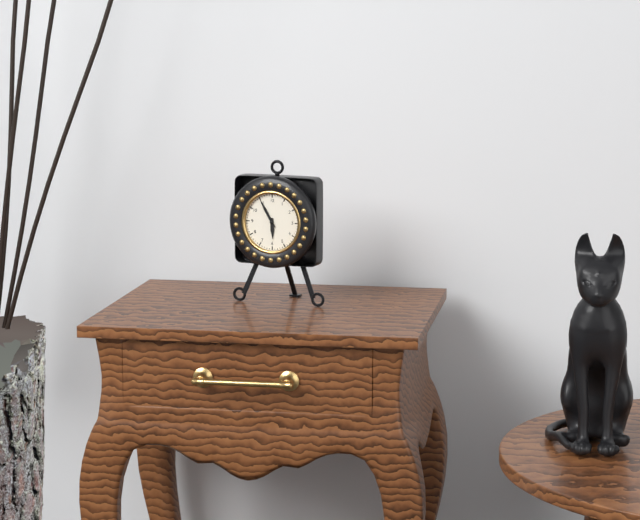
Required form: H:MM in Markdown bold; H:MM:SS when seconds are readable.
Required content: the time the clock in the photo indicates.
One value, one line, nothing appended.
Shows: **5:55**
